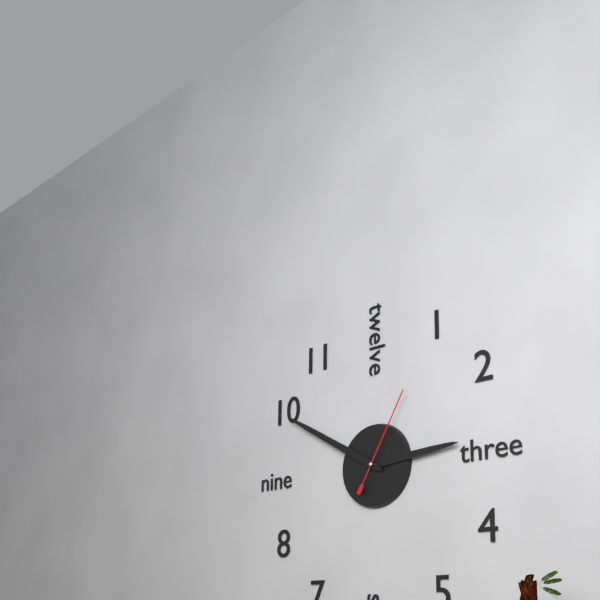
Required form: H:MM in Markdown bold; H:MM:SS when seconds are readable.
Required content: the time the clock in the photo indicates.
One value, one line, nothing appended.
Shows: **2:50:05**
